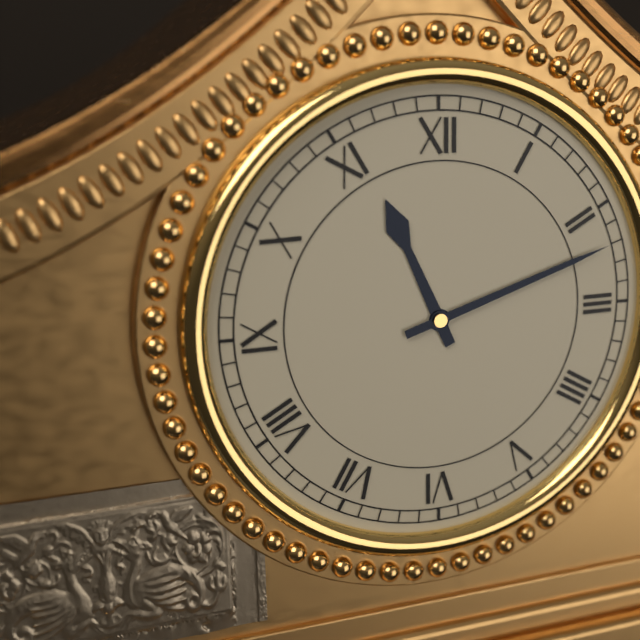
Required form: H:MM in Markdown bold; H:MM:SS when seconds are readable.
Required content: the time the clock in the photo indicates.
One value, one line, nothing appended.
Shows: **11:12**
